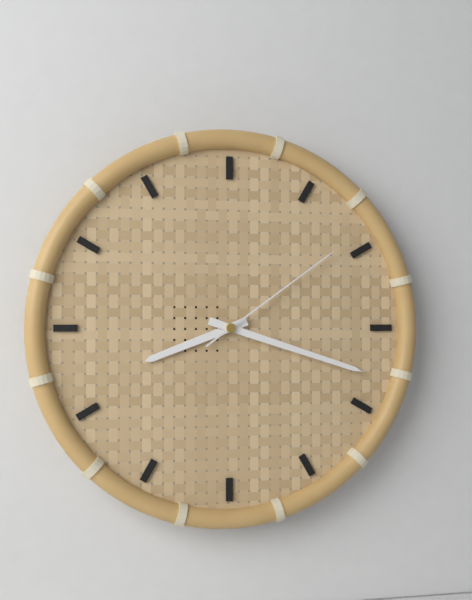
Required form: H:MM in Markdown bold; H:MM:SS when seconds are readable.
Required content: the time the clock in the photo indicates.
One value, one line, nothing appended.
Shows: **8:18:09**
